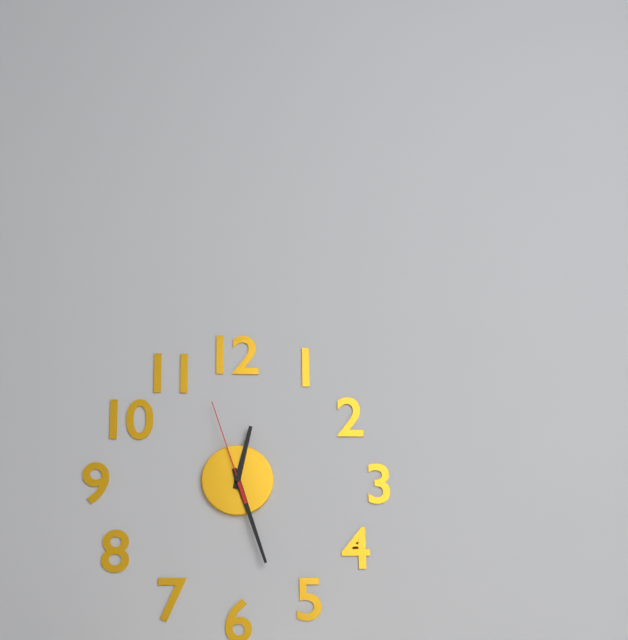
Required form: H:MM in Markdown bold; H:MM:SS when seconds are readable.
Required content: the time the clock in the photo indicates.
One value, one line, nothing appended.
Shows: **12:27:57**
